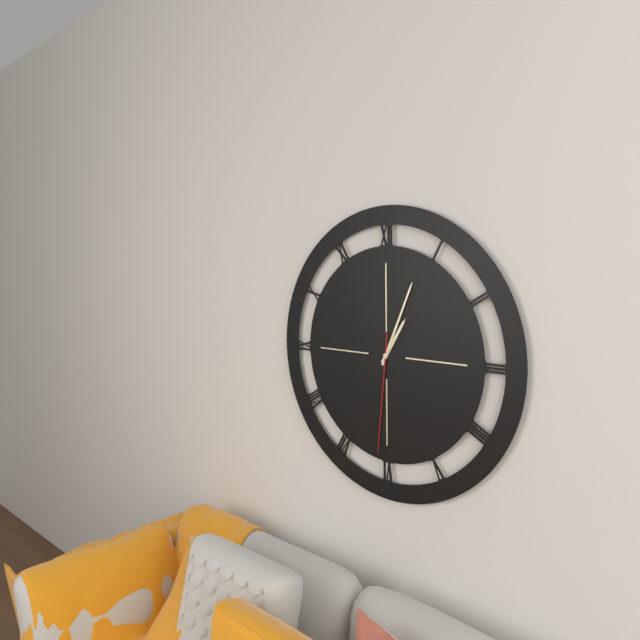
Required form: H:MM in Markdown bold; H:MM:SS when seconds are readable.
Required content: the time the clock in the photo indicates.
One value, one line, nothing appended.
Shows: **1:04:31**
